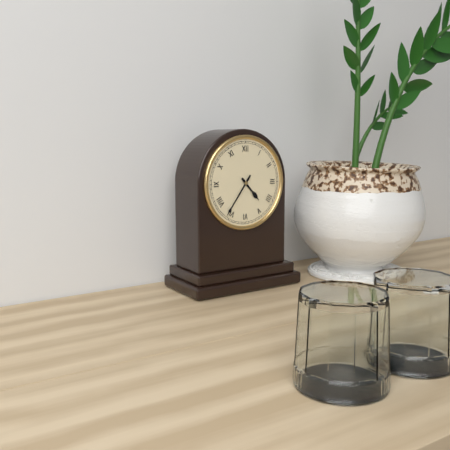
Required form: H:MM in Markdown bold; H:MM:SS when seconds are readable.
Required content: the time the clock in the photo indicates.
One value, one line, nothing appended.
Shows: **4:36**
